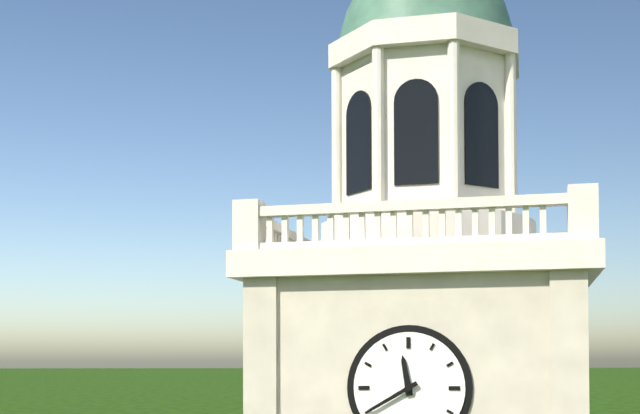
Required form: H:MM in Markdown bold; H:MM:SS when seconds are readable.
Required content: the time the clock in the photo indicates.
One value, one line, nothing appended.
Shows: **11:40**
